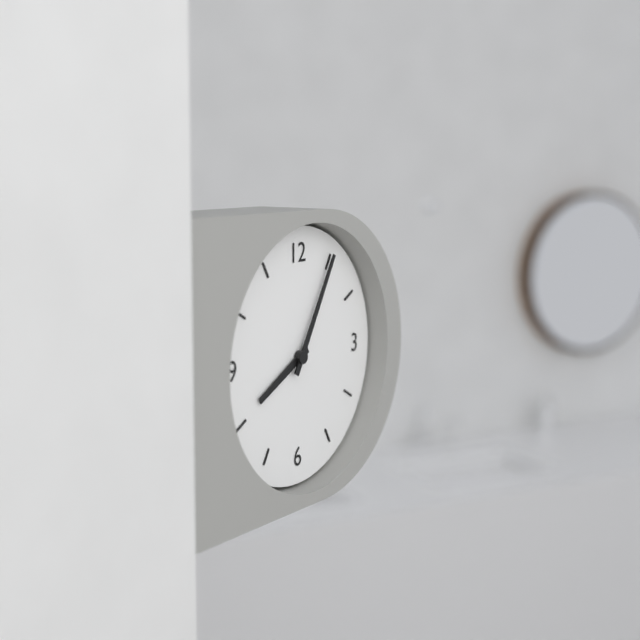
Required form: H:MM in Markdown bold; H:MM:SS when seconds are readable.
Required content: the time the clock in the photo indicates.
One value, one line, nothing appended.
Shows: **8:05**
